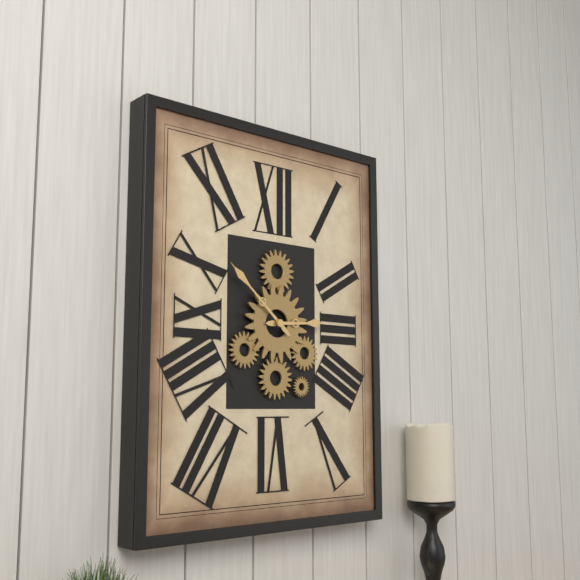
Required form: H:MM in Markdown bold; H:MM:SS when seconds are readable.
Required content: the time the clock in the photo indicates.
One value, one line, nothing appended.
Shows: **2:52**
